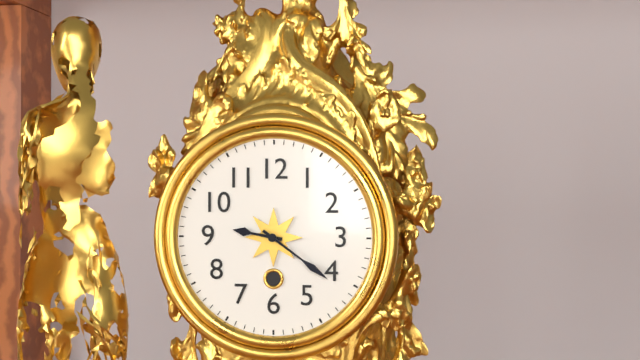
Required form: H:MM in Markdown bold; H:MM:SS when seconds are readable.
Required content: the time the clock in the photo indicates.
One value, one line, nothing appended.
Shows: **9:21**
